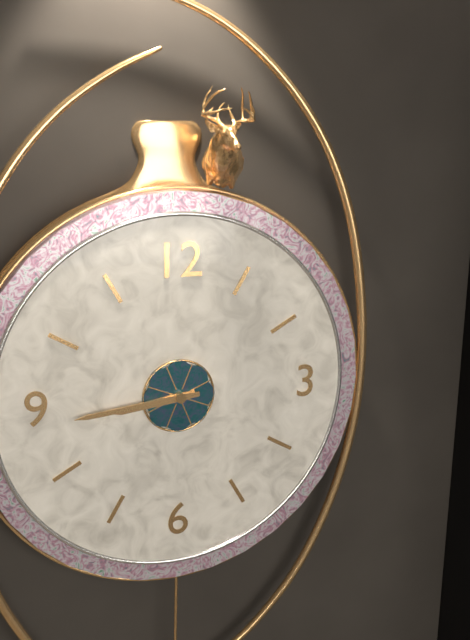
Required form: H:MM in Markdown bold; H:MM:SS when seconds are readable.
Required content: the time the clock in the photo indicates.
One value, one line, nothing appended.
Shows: **8:44**
